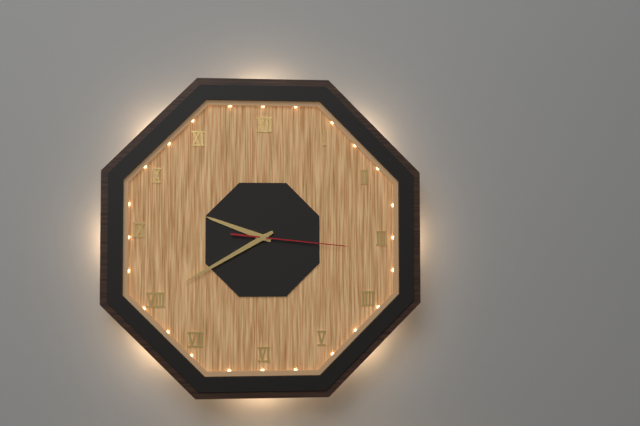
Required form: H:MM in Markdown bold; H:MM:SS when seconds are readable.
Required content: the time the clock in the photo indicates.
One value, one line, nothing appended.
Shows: **9:40:16**
